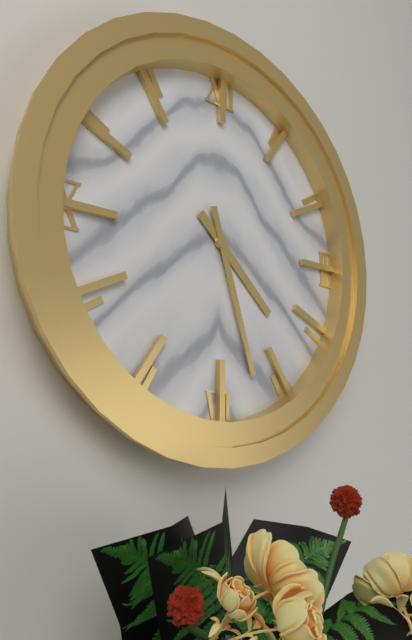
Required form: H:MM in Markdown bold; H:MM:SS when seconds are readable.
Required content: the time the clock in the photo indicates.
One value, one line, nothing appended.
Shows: **4:27**
